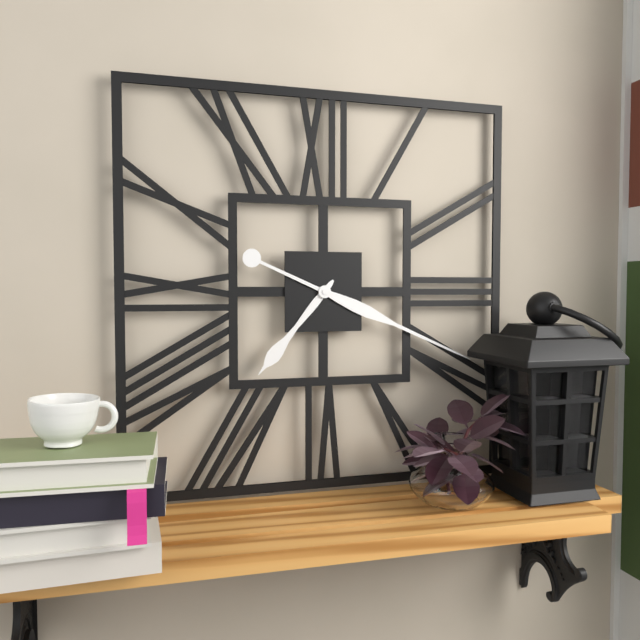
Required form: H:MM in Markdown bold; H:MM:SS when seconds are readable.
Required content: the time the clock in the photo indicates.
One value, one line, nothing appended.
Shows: **7:19**
